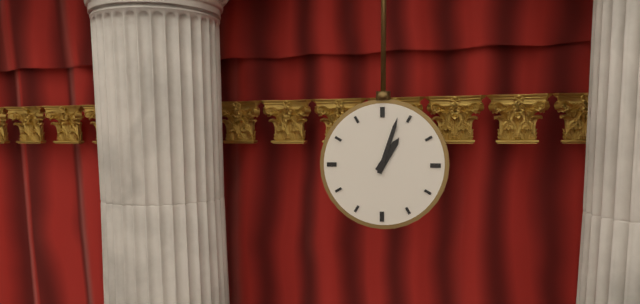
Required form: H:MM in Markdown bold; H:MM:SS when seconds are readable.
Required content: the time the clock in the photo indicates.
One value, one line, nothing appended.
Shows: **1:03**
